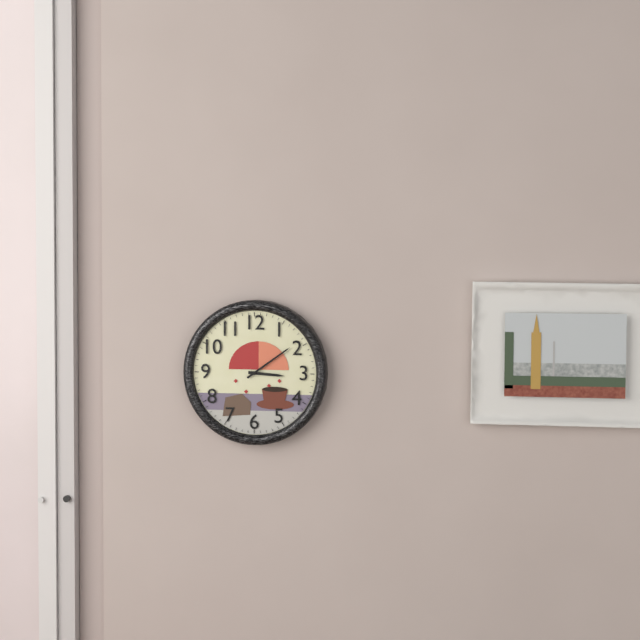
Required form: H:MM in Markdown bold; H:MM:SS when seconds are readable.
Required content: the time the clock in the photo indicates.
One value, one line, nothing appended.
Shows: **3:09**
